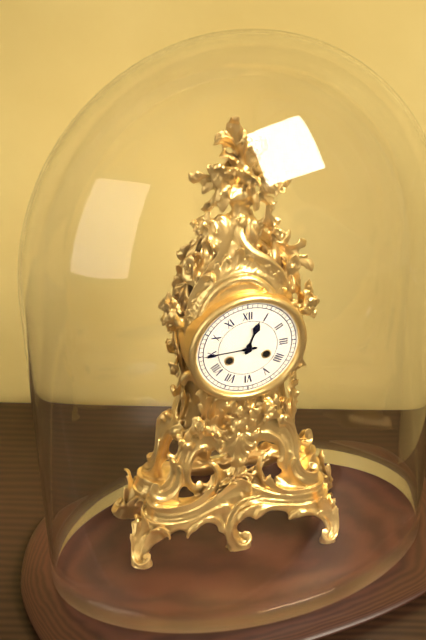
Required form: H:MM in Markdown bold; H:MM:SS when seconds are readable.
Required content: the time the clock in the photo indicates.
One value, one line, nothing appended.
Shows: **12:45**
